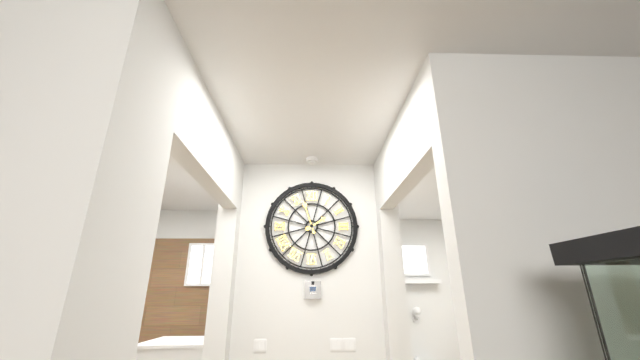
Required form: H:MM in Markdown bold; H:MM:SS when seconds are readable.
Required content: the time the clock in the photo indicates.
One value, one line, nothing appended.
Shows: **1:57**
